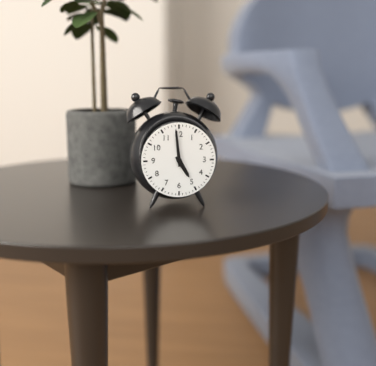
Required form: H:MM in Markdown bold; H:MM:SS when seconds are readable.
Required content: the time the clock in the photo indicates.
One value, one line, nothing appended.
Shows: **4:59**
